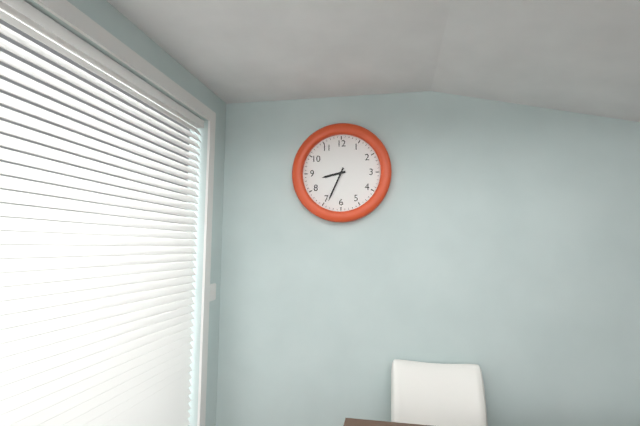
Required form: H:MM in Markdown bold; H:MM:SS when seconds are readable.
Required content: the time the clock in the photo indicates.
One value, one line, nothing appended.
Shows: **8:34**
